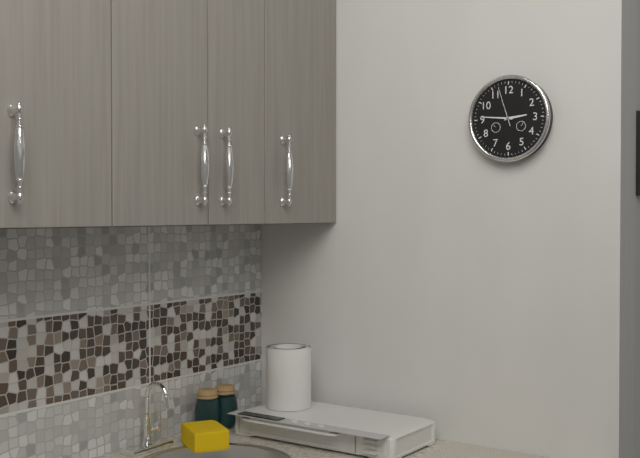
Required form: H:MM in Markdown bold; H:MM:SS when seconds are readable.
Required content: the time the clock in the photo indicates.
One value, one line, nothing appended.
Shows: **2:46**
